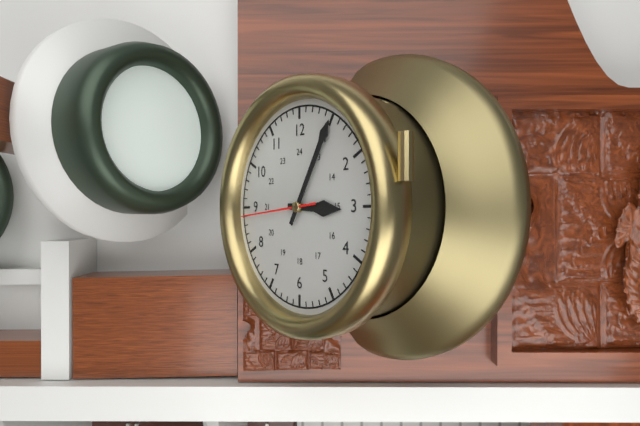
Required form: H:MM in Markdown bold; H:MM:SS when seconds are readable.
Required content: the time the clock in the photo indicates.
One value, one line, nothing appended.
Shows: **3:05:44**
